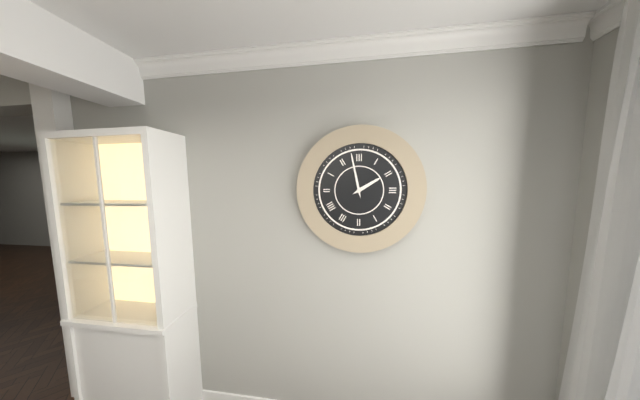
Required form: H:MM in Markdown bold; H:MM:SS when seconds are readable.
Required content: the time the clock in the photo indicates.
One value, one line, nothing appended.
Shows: **1:58**
